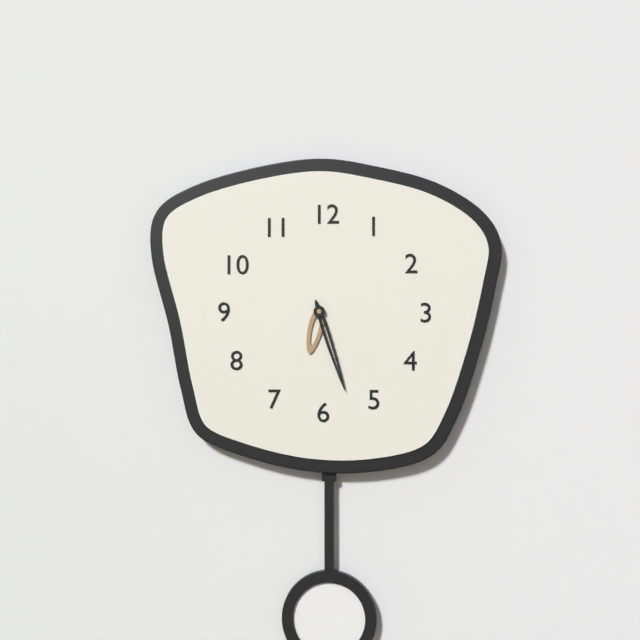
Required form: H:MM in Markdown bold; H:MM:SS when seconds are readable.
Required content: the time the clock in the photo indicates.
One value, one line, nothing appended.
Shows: **6:27**
